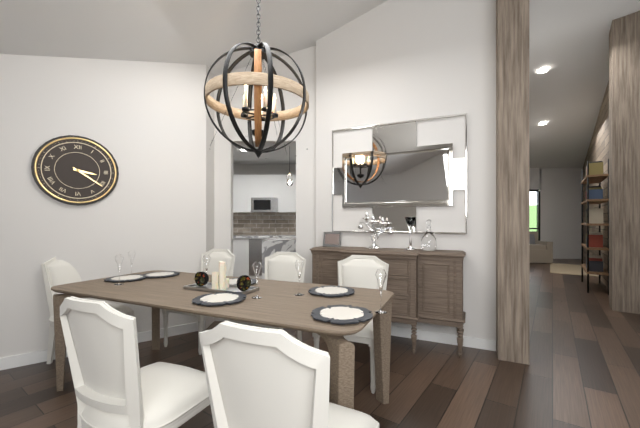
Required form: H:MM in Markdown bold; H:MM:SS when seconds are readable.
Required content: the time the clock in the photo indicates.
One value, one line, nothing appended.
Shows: **3:21**
